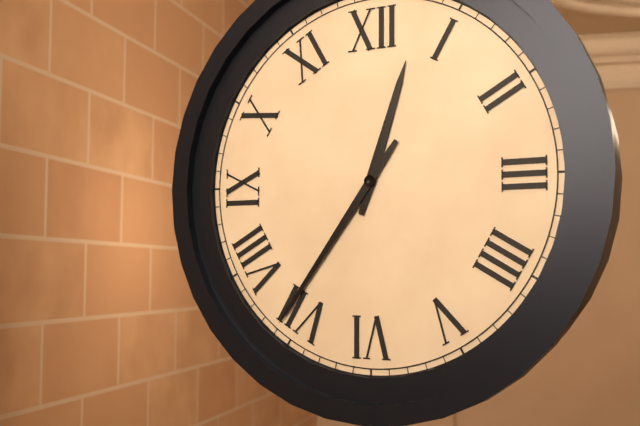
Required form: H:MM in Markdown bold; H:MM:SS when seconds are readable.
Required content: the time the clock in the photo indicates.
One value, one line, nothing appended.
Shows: **12:36**
